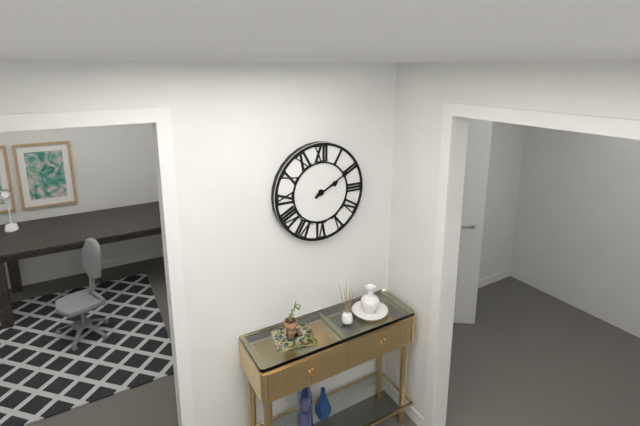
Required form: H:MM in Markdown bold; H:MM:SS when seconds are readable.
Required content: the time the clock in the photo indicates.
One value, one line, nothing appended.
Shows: **2:10**
